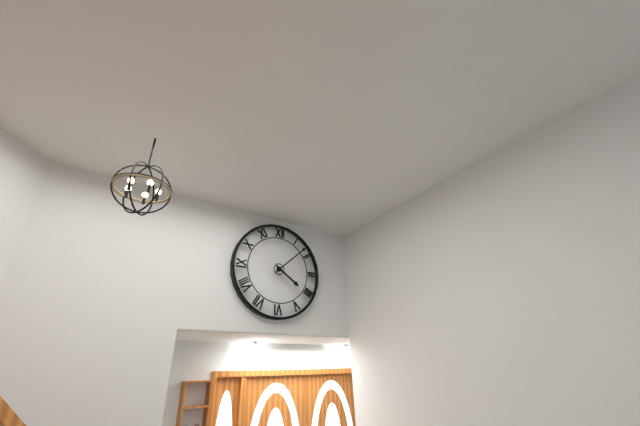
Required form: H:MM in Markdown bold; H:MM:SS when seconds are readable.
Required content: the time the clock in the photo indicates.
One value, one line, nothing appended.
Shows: **4:08**
